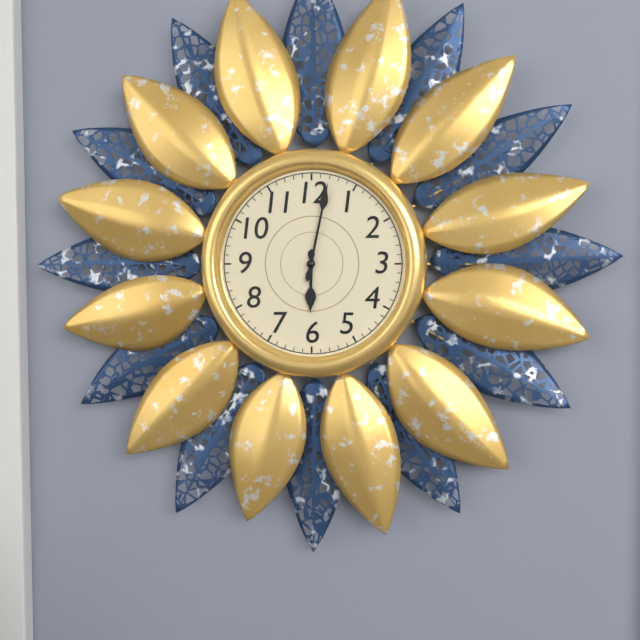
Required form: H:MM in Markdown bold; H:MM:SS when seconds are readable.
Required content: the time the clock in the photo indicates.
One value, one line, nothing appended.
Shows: **6:02**
